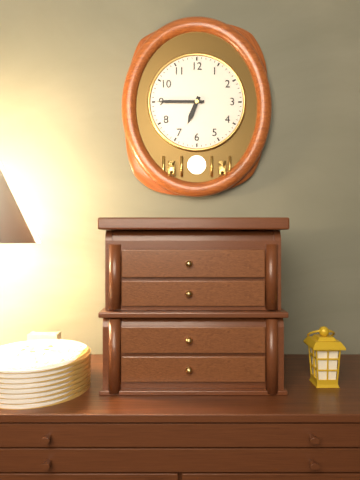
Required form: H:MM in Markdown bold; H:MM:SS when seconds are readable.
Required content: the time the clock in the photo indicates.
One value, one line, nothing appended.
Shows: **6:45**
